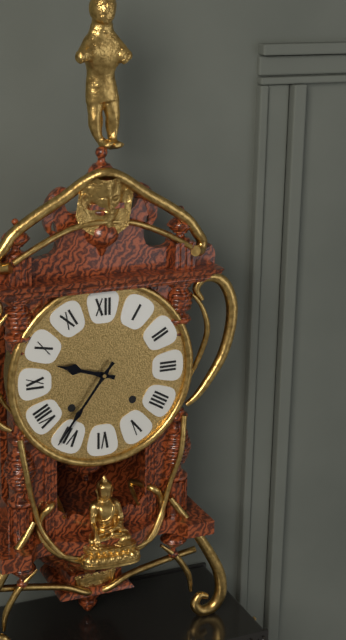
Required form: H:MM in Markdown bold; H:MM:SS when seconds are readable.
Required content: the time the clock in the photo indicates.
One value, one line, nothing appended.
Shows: **9:36**
